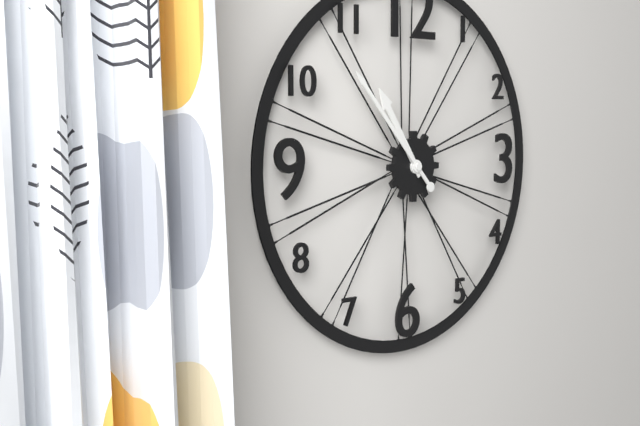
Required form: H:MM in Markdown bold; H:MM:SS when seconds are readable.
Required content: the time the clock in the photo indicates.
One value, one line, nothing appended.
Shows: **10:53**
